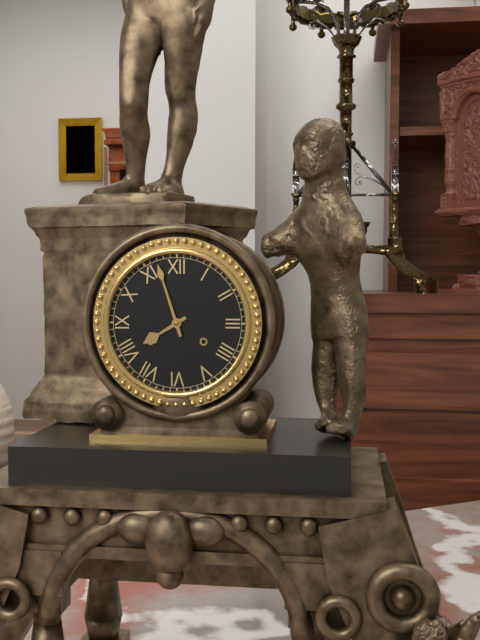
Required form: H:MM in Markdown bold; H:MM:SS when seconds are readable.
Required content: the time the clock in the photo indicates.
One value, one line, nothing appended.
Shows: **7:57**
